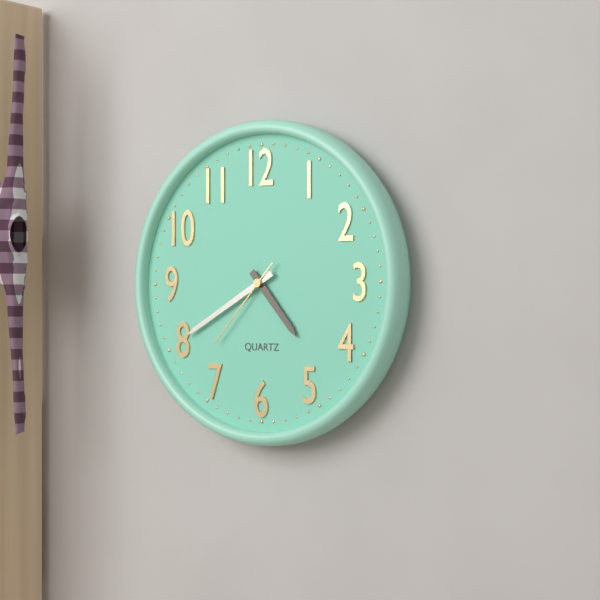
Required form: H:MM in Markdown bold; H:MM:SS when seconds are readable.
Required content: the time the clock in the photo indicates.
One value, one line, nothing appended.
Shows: **4:40:37**
